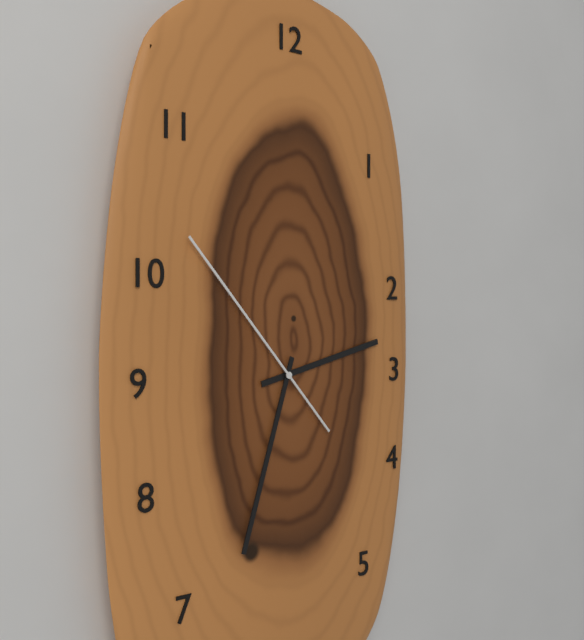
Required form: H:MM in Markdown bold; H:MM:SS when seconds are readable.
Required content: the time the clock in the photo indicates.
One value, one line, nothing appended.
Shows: **2:33:53**
